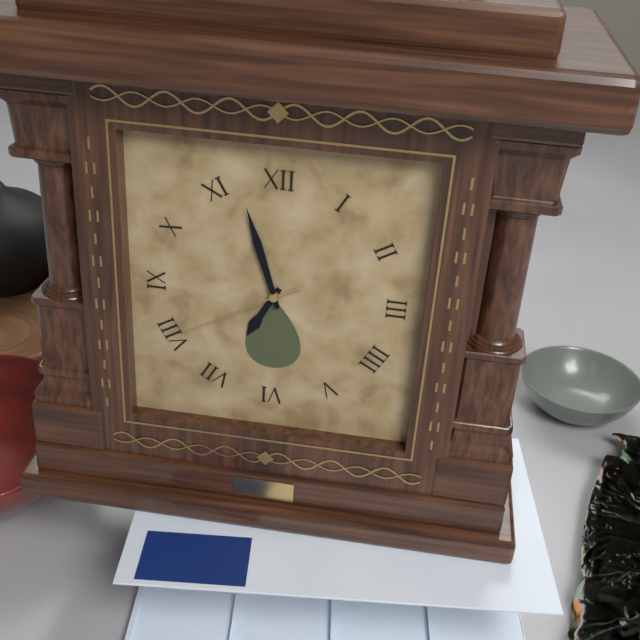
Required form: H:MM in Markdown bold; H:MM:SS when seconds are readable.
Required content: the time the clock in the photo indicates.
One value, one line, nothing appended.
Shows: **6:57:40**
